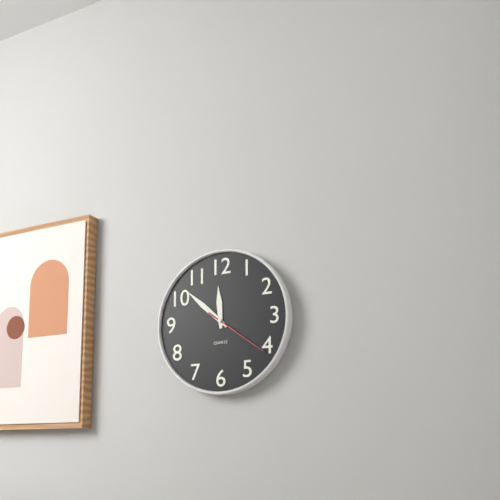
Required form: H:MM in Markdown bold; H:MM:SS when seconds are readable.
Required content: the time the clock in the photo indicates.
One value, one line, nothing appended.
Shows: **11:52:21**
